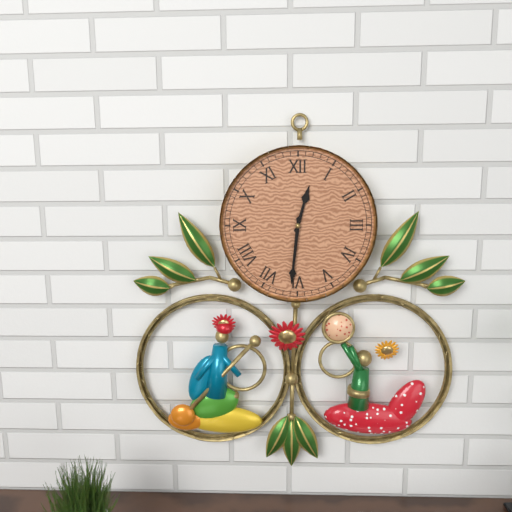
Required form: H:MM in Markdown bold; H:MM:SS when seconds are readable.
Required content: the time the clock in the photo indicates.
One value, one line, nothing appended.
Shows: **12:31**
